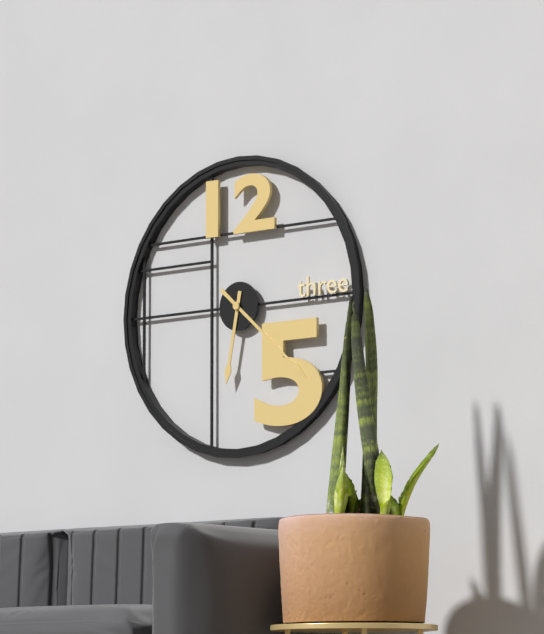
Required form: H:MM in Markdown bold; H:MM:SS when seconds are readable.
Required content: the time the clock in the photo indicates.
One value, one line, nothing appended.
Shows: **6:22**
